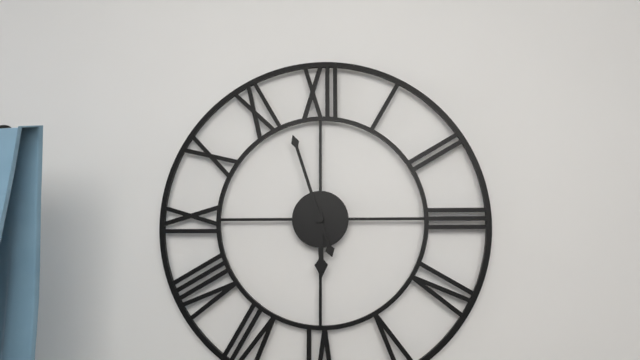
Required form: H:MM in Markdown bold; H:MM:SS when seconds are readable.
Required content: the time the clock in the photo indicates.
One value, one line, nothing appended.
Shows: **5:57**
